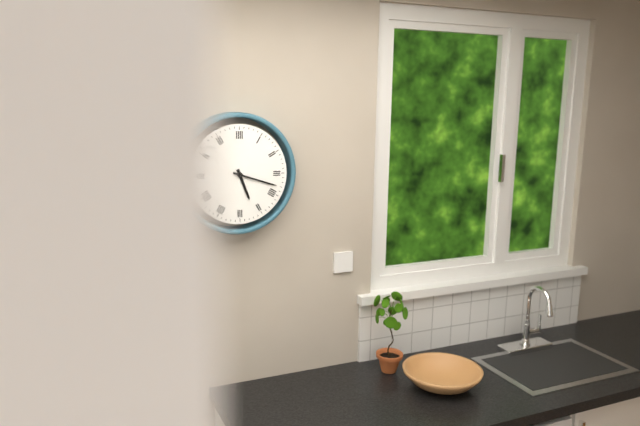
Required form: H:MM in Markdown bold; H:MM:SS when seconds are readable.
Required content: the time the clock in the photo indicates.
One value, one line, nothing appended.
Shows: **5:18**
